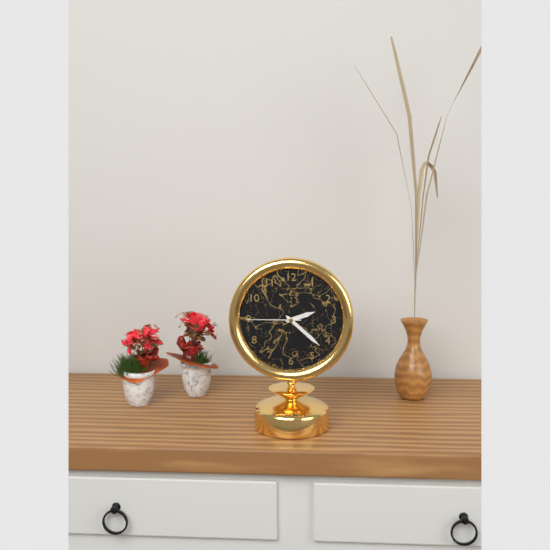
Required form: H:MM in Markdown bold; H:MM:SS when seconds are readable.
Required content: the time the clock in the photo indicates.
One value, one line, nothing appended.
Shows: **2:22:45**
